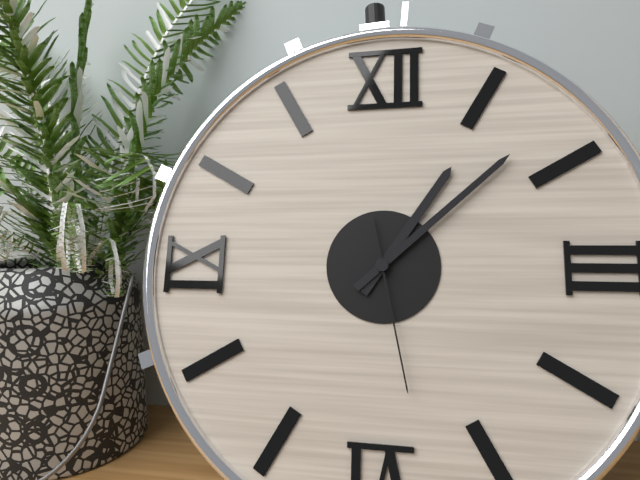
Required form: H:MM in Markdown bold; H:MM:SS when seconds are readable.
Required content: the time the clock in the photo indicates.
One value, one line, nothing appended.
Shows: **1:08:28**
